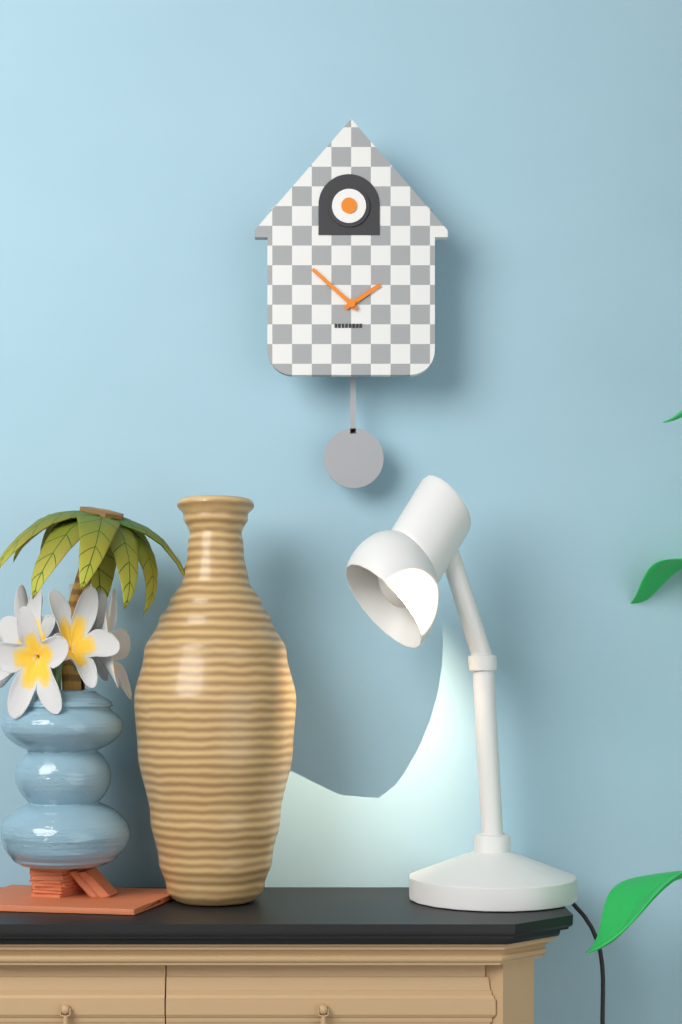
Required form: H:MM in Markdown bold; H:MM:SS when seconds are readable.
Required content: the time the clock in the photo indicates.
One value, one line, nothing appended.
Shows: **1:52**
